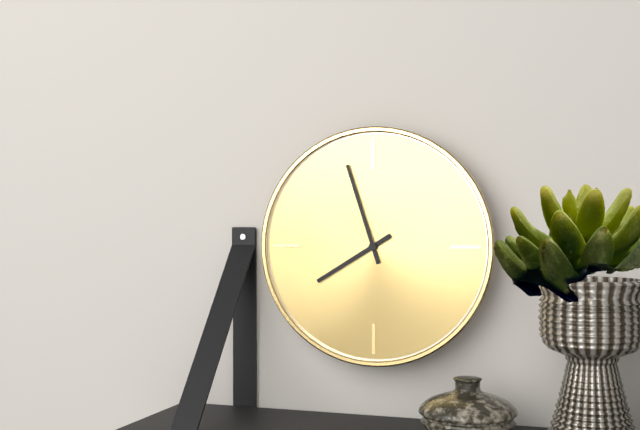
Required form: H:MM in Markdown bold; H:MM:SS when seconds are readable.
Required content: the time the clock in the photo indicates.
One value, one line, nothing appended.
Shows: **7:57**
